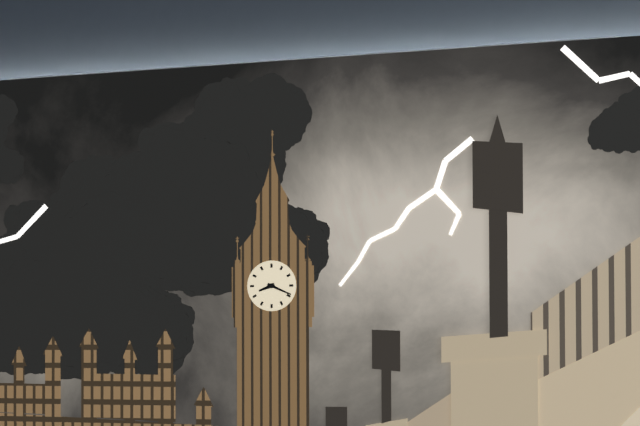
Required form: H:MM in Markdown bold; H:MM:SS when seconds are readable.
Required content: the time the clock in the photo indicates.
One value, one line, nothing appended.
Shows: **8:19**
